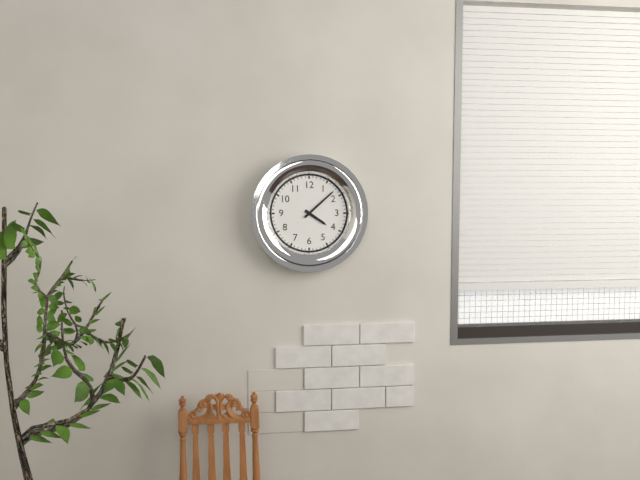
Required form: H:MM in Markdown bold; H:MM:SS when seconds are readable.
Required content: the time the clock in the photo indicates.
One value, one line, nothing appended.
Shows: **4:08**
